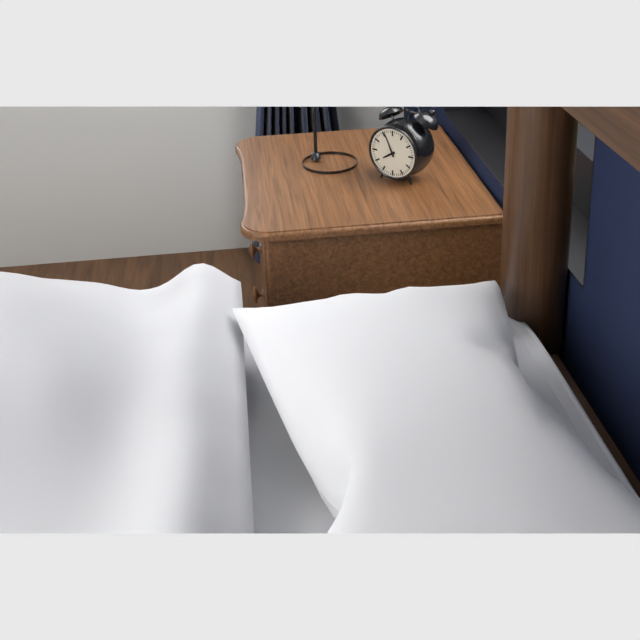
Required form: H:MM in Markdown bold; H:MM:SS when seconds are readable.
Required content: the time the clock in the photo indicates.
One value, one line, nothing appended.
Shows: **7:56**
